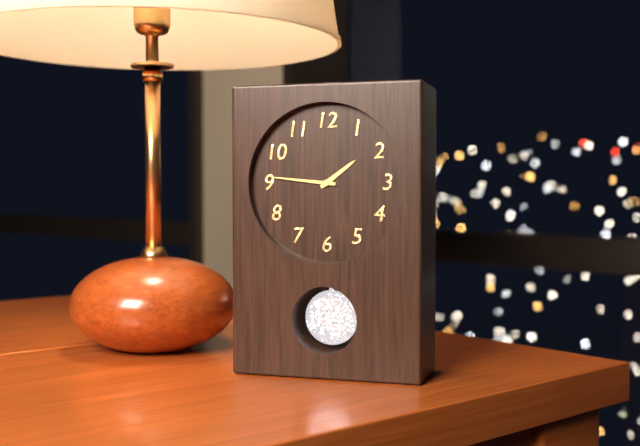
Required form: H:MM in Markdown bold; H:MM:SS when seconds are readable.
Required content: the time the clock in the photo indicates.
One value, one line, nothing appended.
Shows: **1:46**
